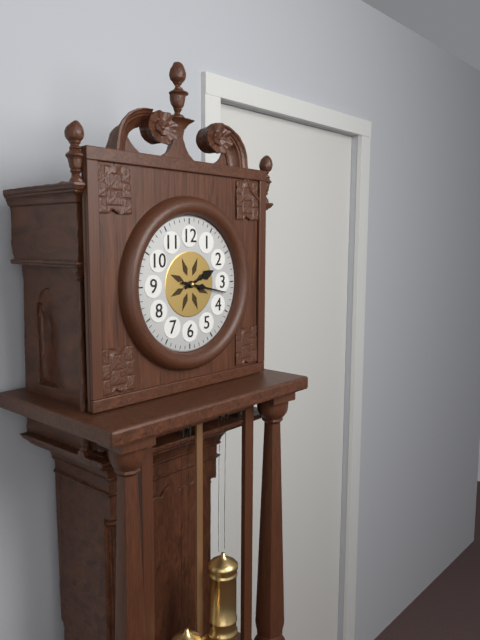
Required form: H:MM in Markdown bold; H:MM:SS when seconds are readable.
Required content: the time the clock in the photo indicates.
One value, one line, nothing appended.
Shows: **2:17**
